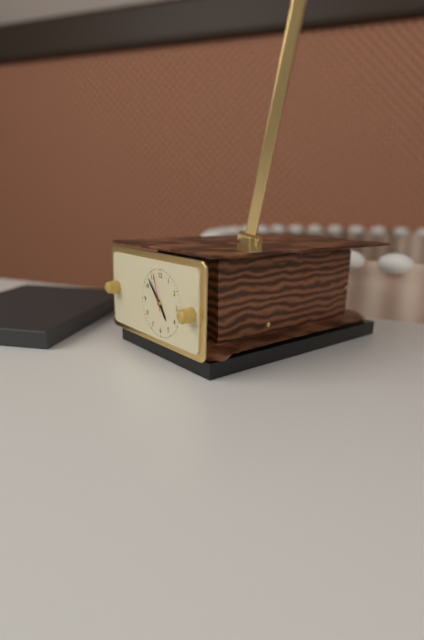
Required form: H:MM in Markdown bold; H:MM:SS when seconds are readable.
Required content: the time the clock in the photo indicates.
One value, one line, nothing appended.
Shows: **4:53**
